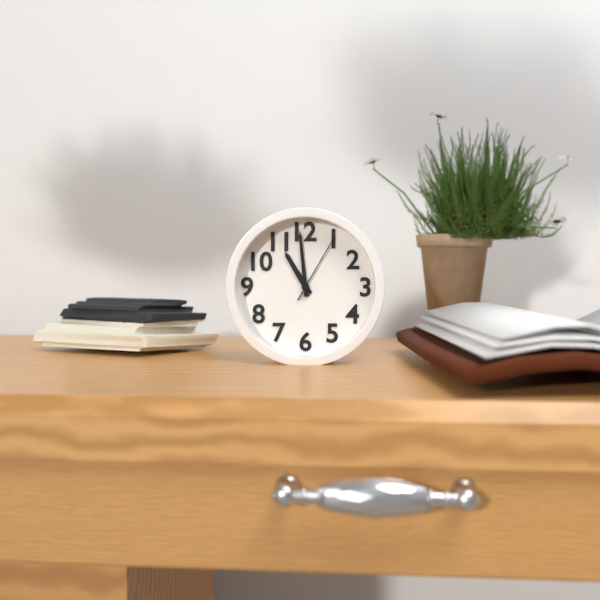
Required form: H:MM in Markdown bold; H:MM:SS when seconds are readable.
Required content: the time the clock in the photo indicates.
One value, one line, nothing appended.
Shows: **10:59:05**
